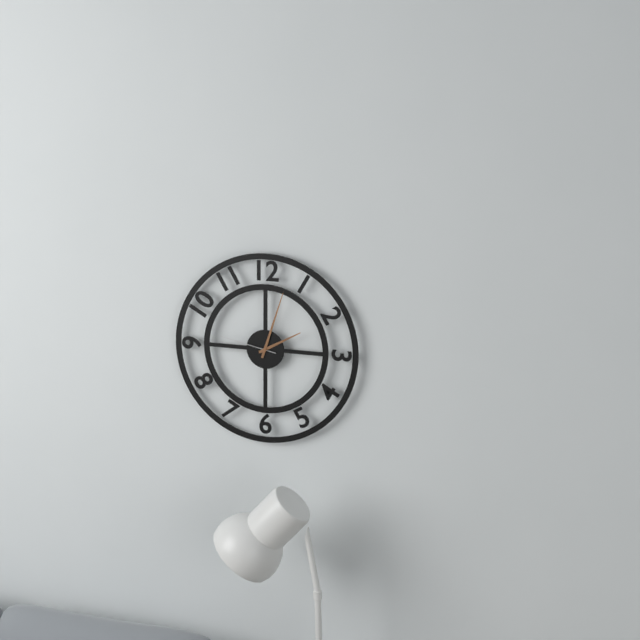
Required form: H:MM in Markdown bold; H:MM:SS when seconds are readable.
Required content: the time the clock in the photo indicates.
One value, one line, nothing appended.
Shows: **2:03:47**
